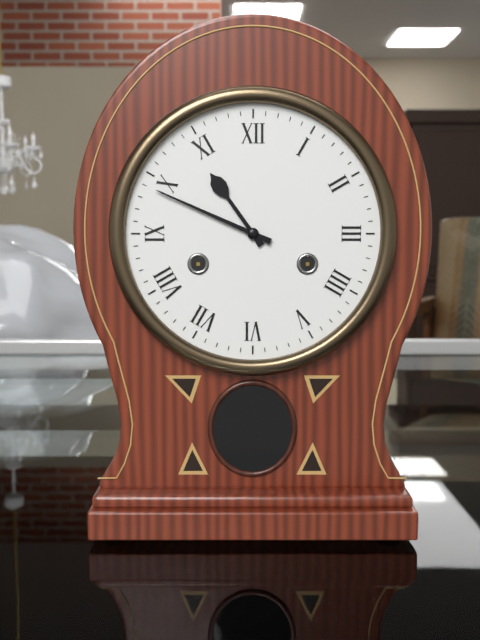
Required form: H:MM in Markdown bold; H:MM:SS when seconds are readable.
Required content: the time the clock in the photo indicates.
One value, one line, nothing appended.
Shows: **10:49**
